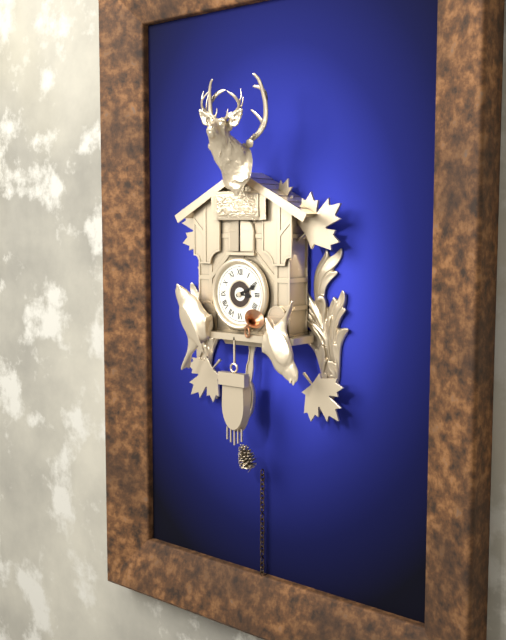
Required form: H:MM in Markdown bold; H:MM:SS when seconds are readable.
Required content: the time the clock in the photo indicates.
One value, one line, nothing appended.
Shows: **3:11**
